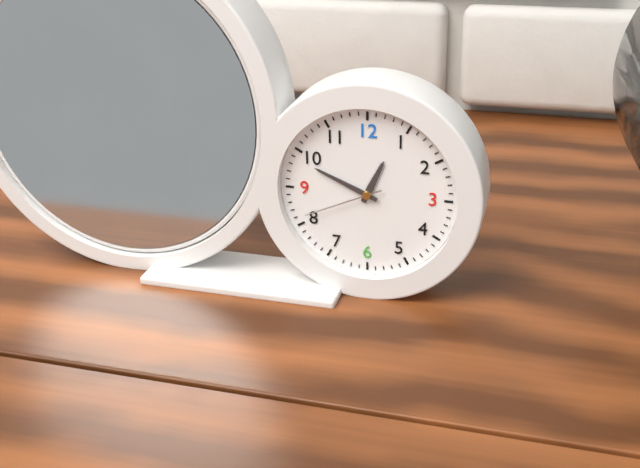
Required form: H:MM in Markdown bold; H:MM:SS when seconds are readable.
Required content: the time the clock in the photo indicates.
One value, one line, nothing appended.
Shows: **12:49:41**
